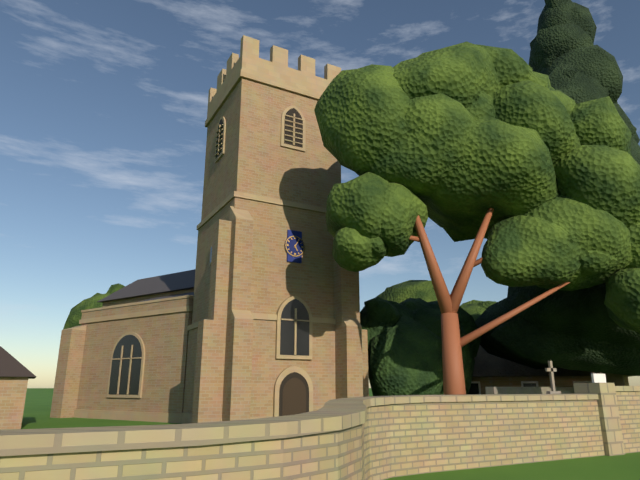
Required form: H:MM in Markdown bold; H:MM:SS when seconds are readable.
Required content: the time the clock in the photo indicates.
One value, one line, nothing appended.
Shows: **5:05**
